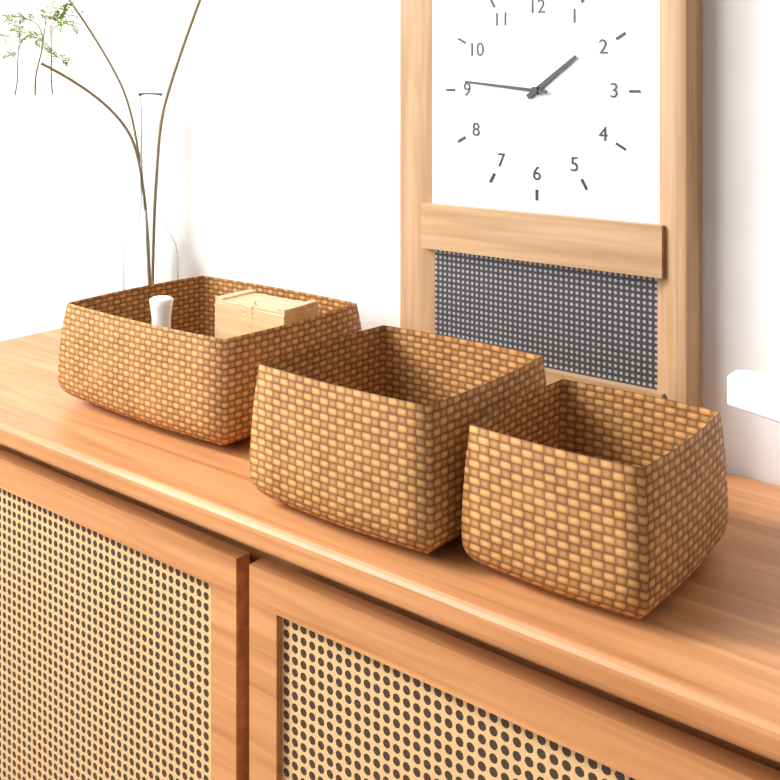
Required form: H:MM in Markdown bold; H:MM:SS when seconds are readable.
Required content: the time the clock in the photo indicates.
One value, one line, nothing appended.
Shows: **1:46**
